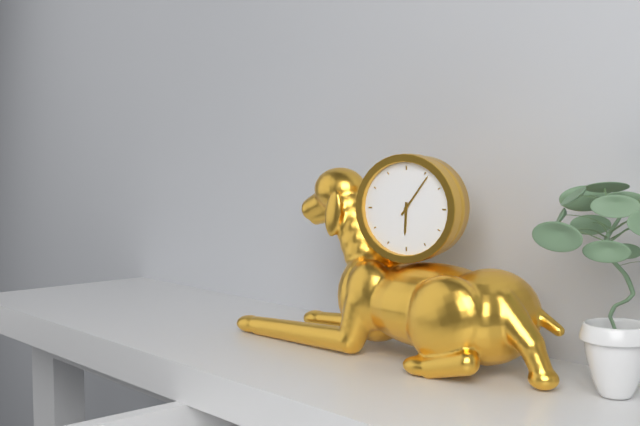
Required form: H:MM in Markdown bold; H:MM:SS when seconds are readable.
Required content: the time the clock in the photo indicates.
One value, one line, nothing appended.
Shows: **6:06**
